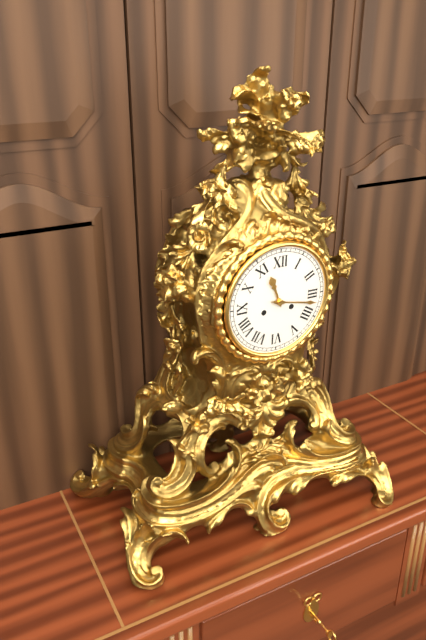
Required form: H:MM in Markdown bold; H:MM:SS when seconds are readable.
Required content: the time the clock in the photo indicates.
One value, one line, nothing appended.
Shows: **11:17**
